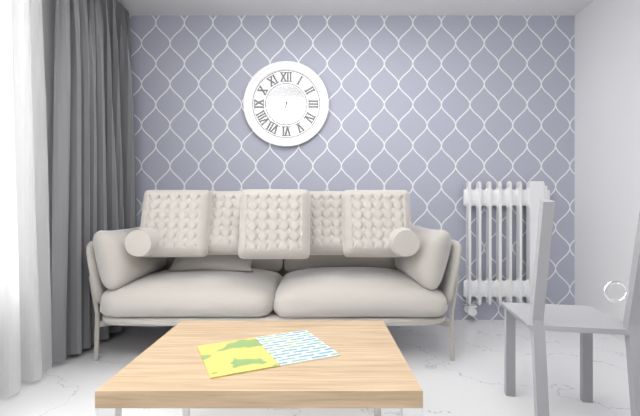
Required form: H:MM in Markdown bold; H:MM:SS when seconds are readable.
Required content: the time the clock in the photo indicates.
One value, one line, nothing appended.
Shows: **6:29**
